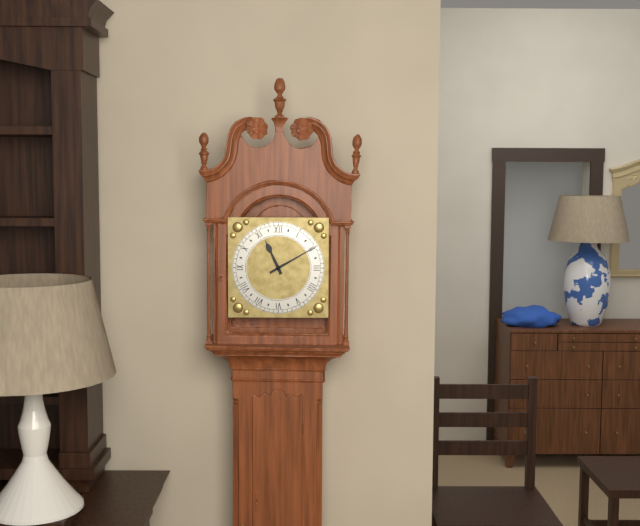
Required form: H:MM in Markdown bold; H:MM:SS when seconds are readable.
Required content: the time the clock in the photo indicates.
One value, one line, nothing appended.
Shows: **11:10**
